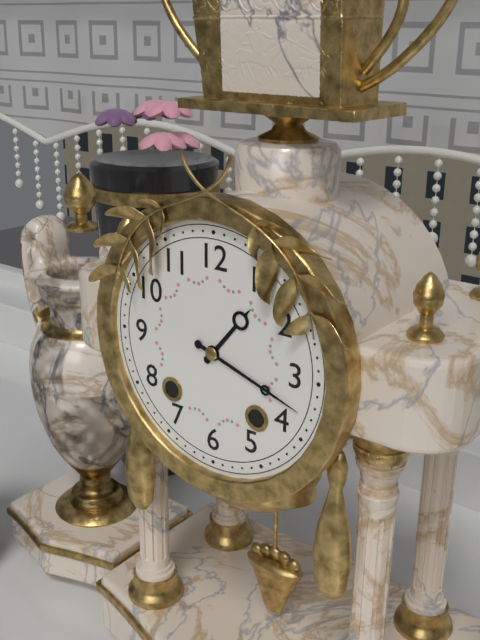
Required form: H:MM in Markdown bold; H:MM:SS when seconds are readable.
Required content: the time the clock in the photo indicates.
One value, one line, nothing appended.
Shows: **1:18**
